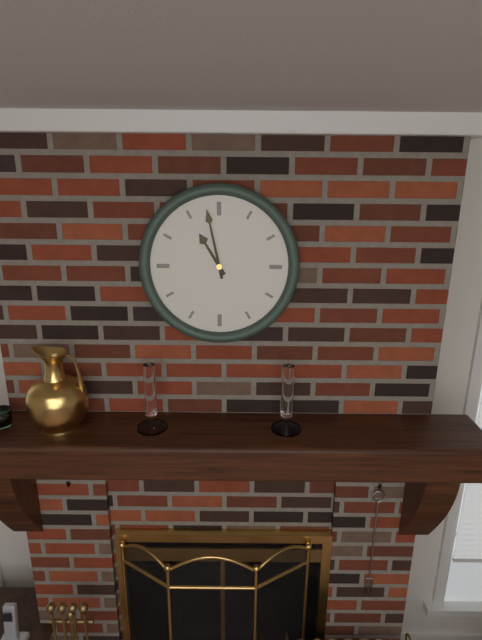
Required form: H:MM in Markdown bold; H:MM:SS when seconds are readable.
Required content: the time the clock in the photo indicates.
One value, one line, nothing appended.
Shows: **10:58**
